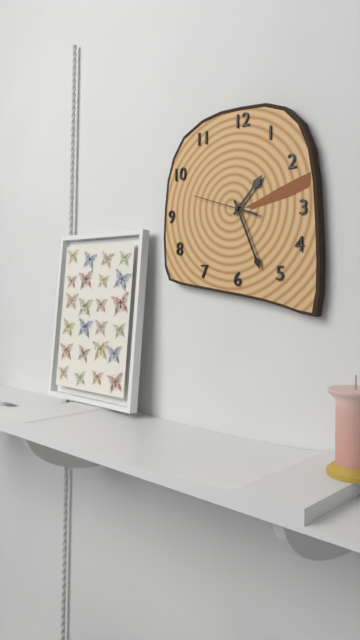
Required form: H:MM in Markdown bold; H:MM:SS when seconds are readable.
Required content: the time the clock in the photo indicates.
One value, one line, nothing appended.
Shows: **1:26:48**
